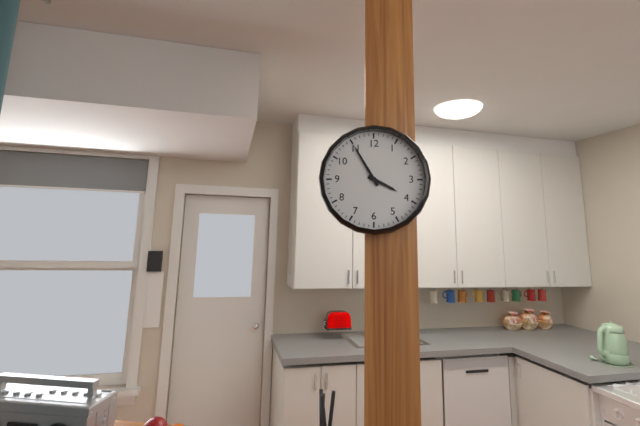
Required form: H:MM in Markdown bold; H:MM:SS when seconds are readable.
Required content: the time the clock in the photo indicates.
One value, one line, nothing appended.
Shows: **3:55**
